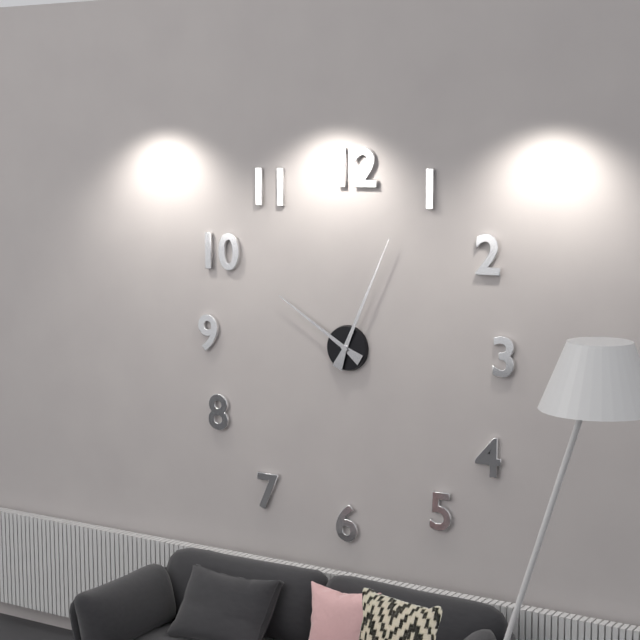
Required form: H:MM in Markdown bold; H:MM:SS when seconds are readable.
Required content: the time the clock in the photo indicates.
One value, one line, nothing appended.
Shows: **10:04**
